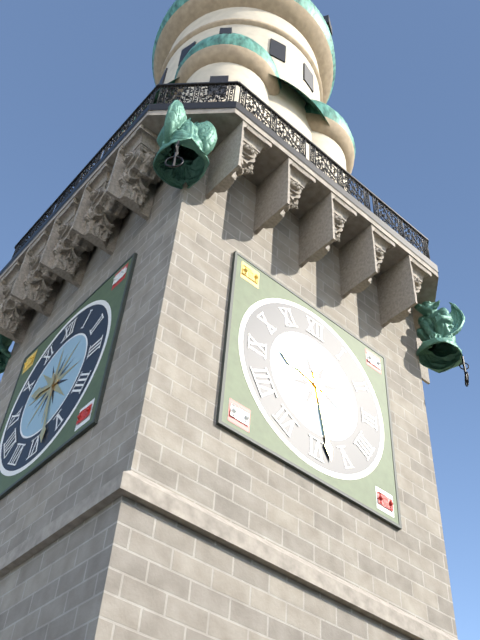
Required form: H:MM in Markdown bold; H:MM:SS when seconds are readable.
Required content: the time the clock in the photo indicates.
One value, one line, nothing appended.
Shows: **9:28**
